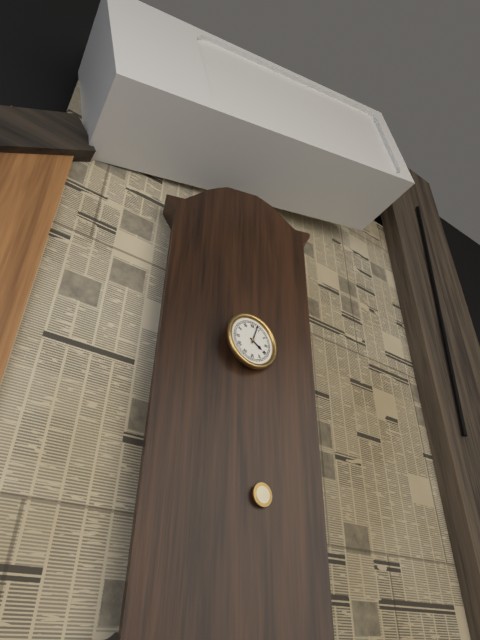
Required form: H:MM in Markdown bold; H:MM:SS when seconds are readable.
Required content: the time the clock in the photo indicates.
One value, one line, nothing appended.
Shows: **4:03**
